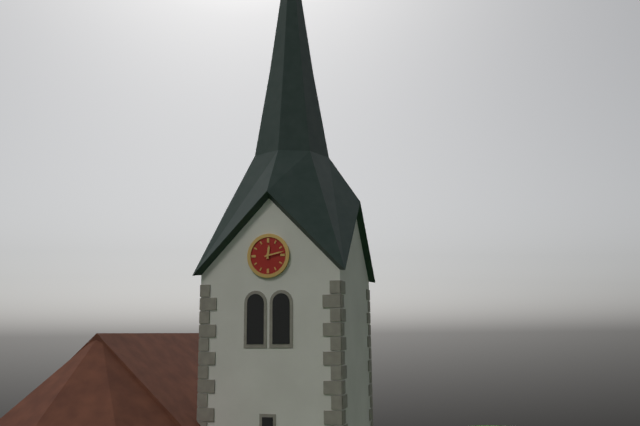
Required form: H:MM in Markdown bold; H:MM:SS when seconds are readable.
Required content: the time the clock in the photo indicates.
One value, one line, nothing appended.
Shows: **12:13**
